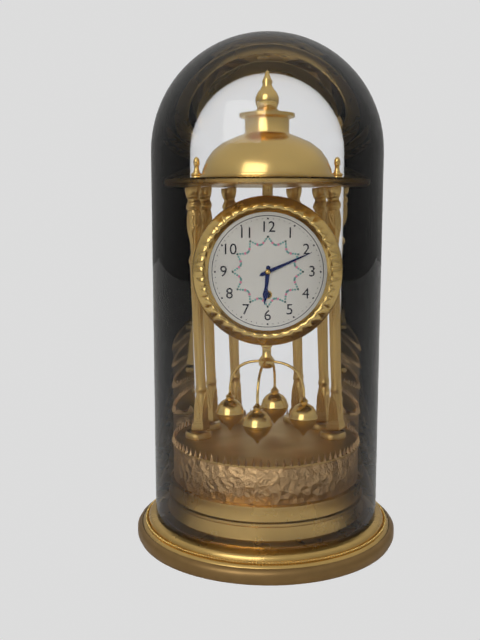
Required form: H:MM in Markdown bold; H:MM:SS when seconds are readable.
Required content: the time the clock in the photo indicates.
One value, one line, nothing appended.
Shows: **6:11**
